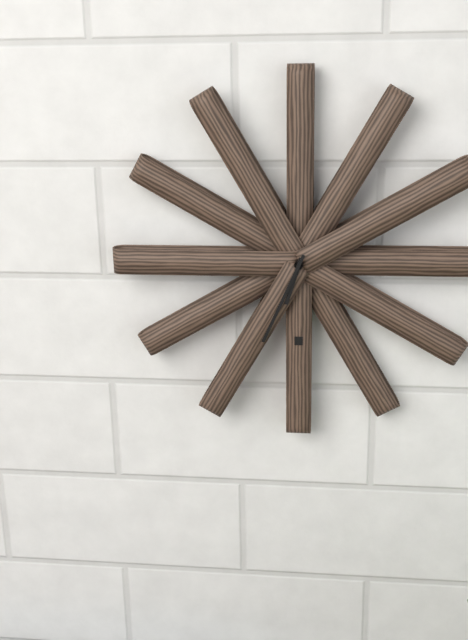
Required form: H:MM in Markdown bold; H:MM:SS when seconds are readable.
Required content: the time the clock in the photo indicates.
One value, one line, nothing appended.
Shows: **6:34**
